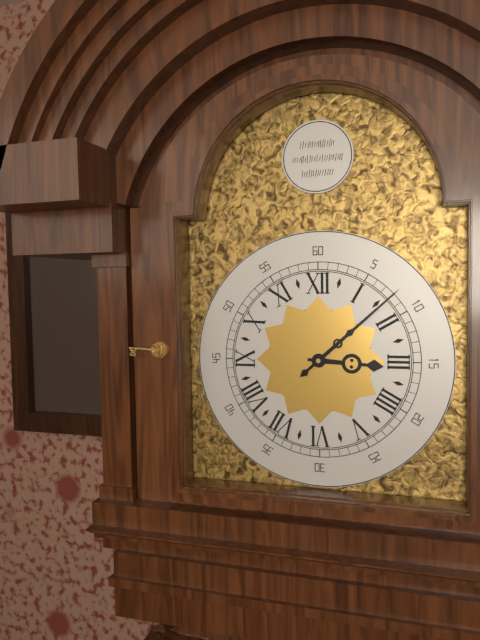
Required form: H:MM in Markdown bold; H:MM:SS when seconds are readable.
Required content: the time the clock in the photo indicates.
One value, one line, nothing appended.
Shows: **3:08**
